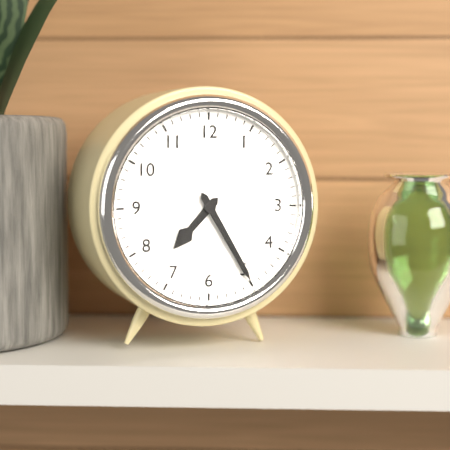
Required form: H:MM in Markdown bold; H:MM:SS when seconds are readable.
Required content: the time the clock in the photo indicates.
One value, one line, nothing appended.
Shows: **7:25**
